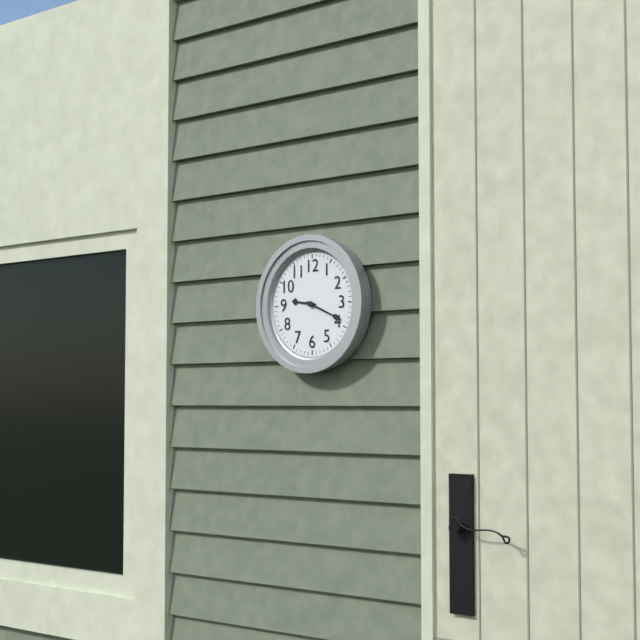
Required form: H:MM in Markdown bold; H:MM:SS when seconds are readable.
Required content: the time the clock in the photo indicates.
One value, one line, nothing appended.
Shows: **9:19**
